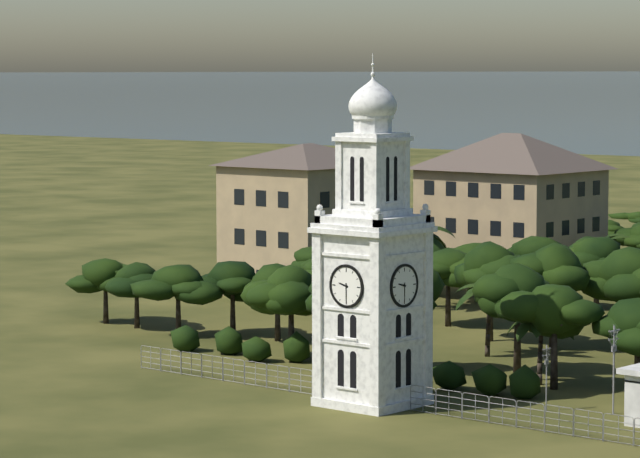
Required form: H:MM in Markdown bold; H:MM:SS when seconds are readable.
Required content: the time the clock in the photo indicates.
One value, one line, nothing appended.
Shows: **9:30**
